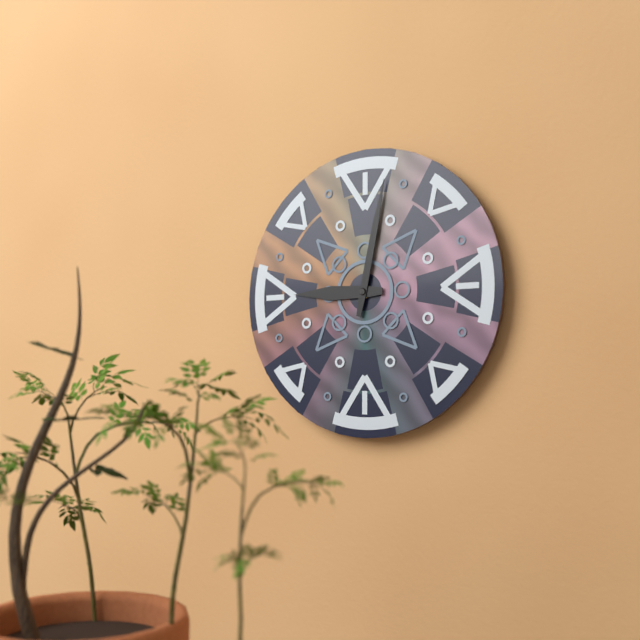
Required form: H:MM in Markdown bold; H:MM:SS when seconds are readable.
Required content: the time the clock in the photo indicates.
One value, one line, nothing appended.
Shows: **9:02**
